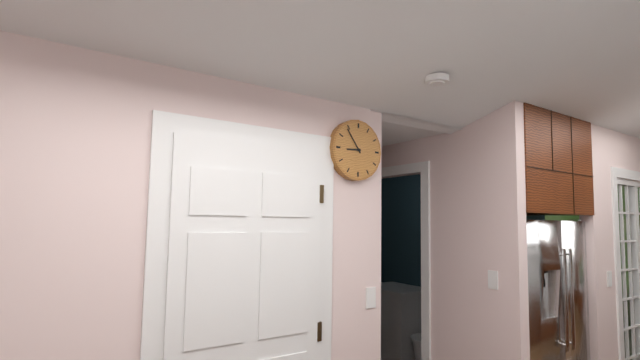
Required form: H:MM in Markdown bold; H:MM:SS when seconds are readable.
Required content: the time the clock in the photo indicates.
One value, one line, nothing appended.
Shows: **8:54**
